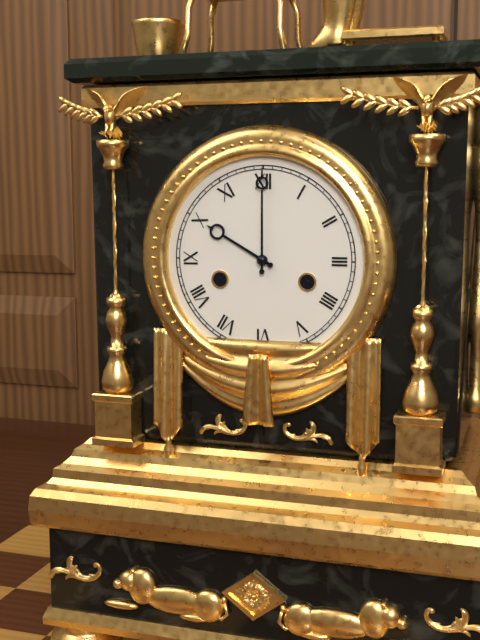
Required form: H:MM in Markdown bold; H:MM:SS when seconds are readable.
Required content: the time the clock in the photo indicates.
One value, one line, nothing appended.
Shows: **10:00**
